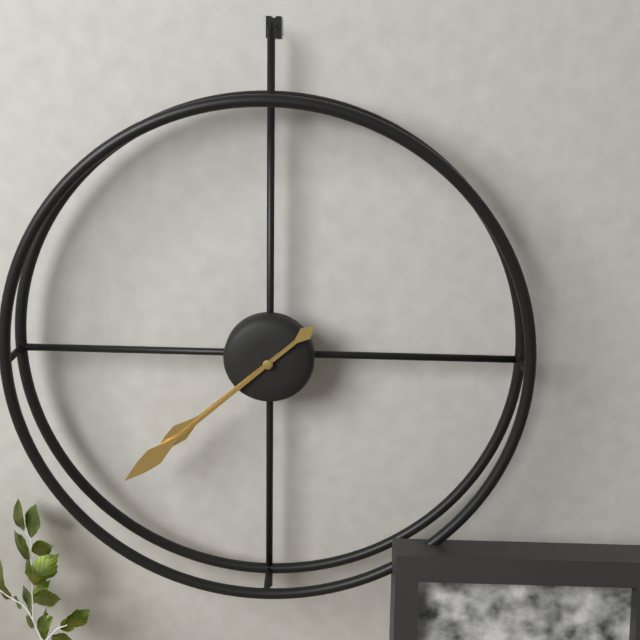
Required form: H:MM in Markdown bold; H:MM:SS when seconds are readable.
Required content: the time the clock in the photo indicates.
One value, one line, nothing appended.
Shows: **7:38**
